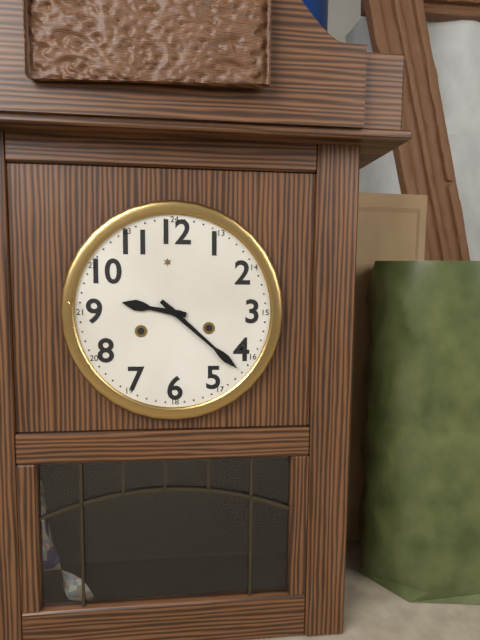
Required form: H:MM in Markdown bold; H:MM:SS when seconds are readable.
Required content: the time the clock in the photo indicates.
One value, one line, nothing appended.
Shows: **9:22**
